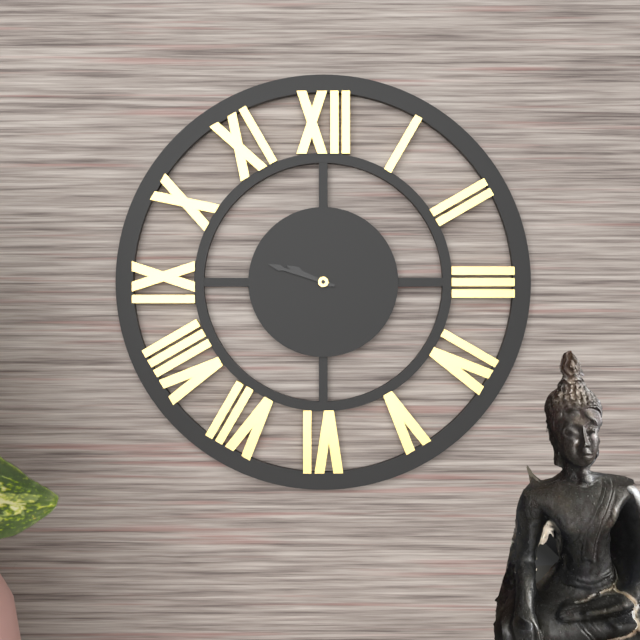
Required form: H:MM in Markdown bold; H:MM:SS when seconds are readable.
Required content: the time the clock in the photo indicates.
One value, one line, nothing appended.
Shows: **9:48**
